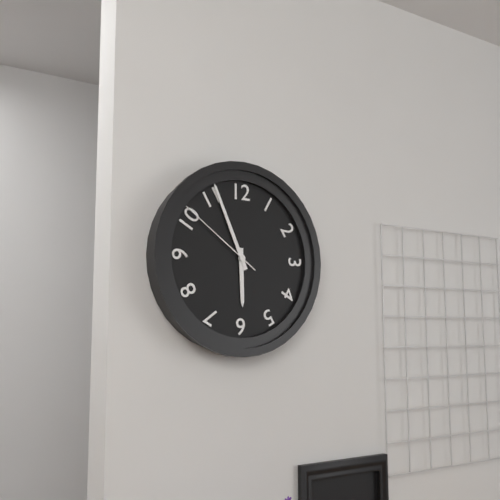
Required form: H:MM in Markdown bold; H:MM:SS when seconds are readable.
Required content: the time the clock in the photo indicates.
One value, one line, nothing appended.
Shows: **5:56:51**
